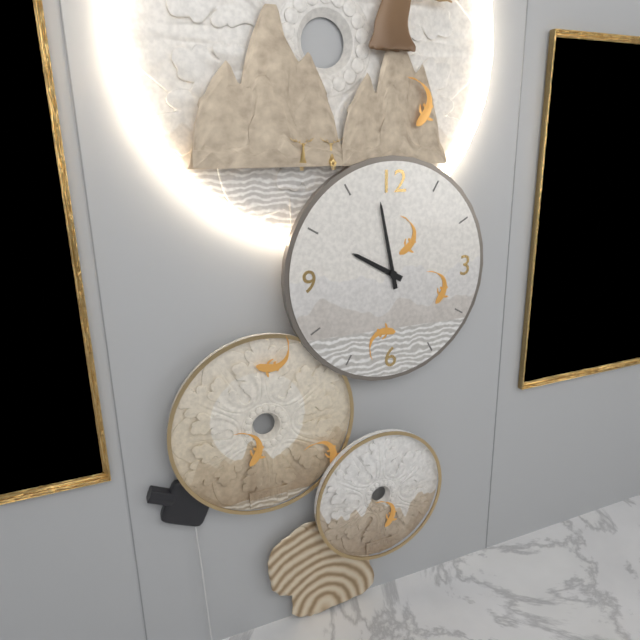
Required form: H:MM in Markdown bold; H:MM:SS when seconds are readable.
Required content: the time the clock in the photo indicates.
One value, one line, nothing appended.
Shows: **9:58**
